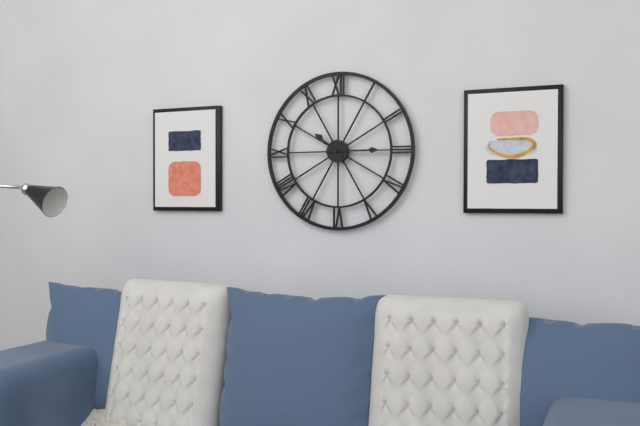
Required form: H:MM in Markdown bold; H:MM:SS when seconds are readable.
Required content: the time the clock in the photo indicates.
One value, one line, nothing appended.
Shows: **10:15**
